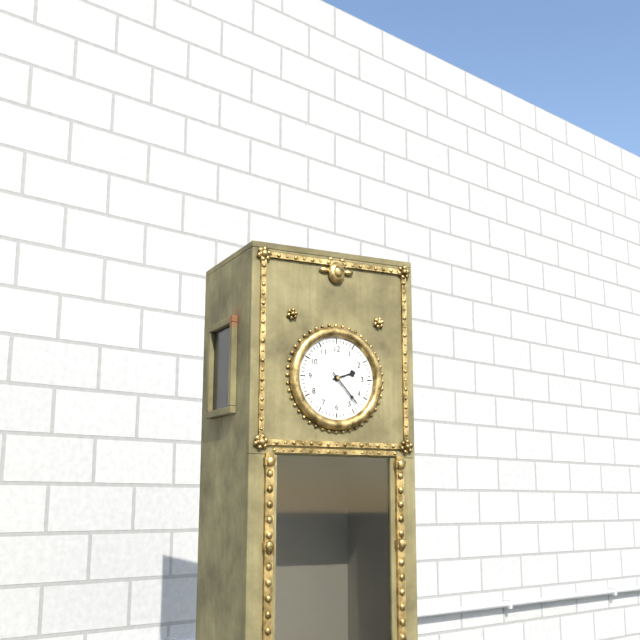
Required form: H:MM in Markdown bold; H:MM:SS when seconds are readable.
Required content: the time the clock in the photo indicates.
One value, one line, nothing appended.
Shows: **2:23**
